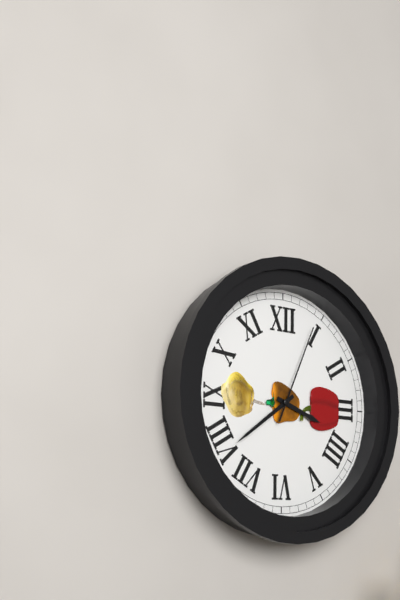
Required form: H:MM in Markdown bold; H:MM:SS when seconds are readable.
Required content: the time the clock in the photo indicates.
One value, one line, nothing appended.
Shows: **3:39:04**
